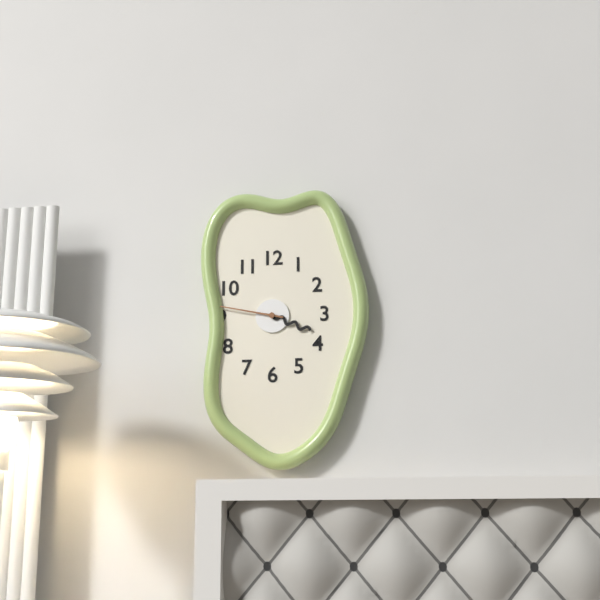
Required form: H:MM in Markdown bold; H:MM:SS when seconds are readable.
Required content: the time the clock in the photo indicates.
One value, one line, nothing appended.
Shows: **3:47**
